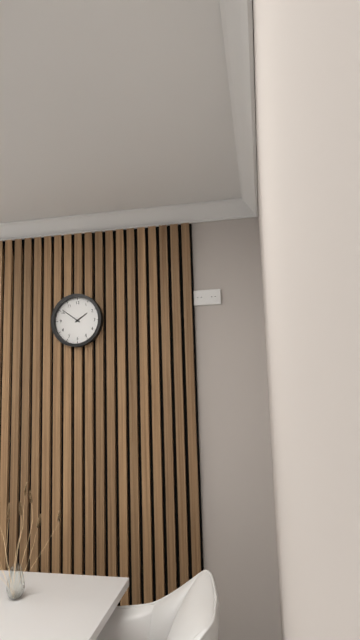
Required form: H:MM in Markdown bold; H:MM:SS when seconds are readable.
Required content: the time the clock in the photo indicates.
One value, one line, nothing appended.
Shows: **1:51**
